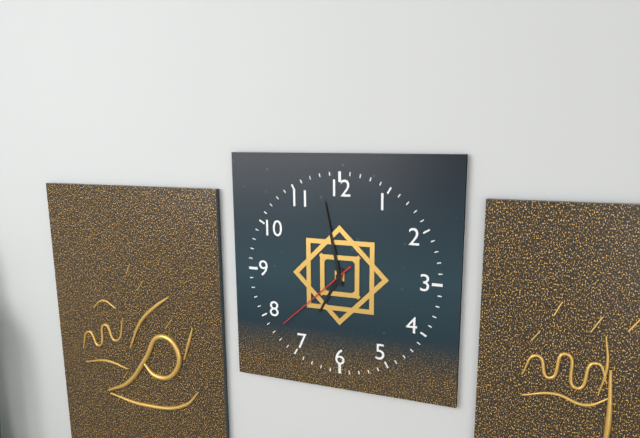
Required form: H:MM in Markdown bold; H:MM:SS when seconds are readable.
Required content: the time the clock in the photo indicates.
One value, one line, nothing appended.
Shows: **6:58:38**
